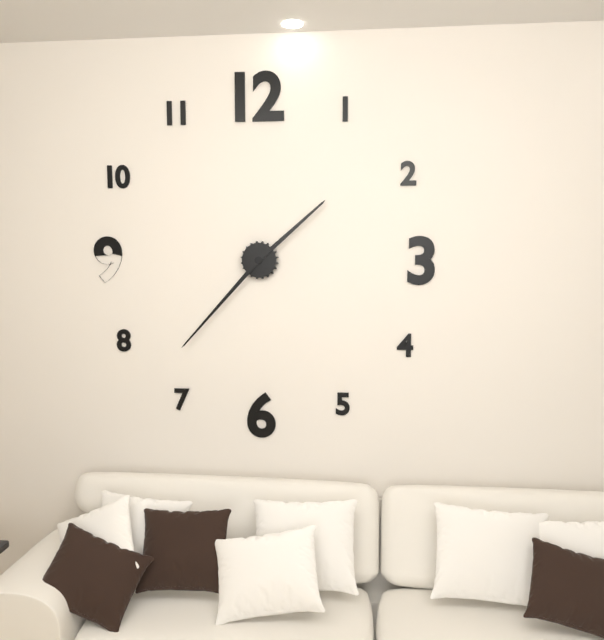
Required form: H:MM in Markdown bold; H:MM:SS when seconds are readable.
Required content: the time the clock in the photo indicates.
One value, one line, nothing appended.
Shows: **1:37**
